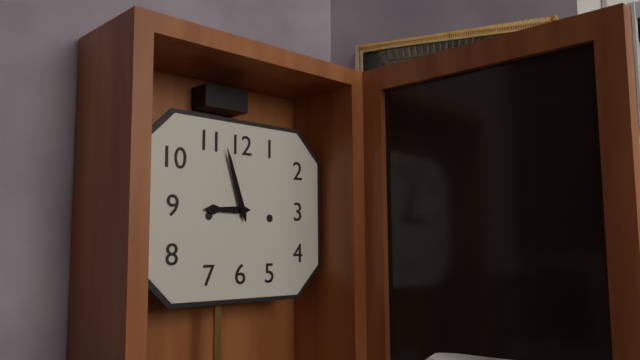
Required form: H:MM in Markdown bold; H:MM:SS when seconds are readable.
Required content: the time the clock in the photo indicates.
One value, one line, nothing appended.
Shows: **8:57**
